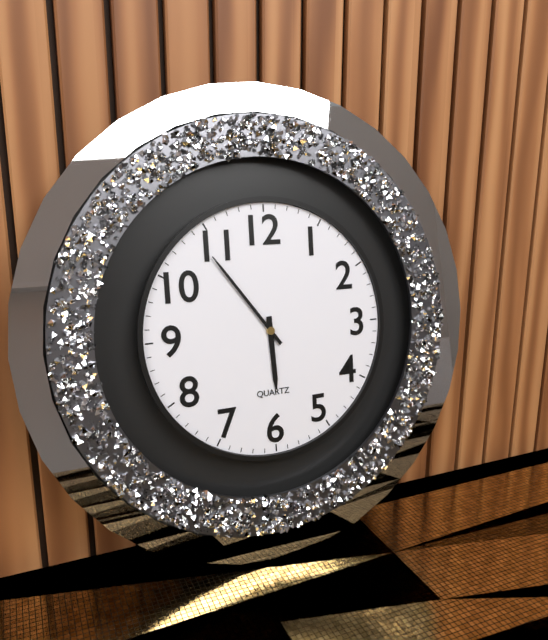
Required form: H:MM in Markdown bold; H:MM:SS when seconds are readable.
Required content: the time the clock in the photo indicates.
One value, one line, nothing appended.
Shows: **5:54**
